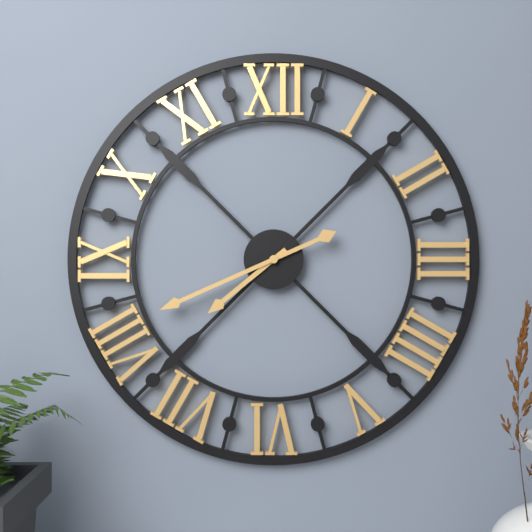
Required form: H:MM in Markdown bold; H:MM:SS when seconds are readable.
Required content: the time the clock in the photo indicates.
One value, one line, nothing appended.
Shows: **7:41**
